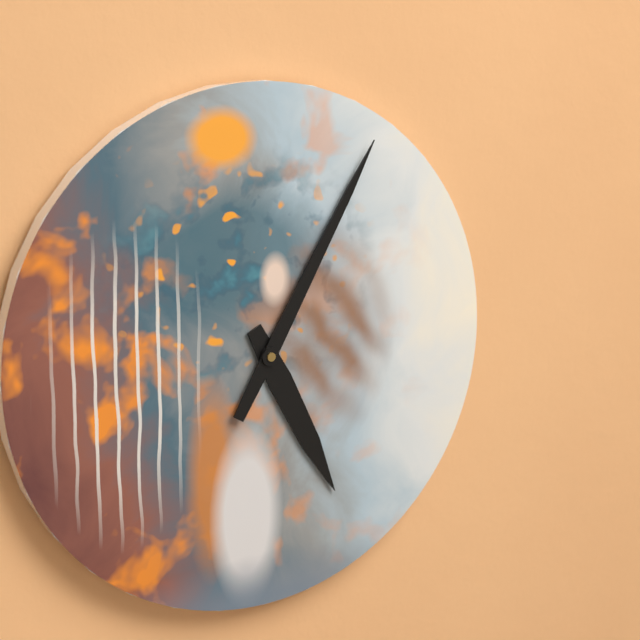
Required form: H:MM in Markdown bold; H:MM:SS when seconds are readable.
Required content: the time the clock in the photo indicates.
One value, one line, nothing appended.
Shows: **5:05**
